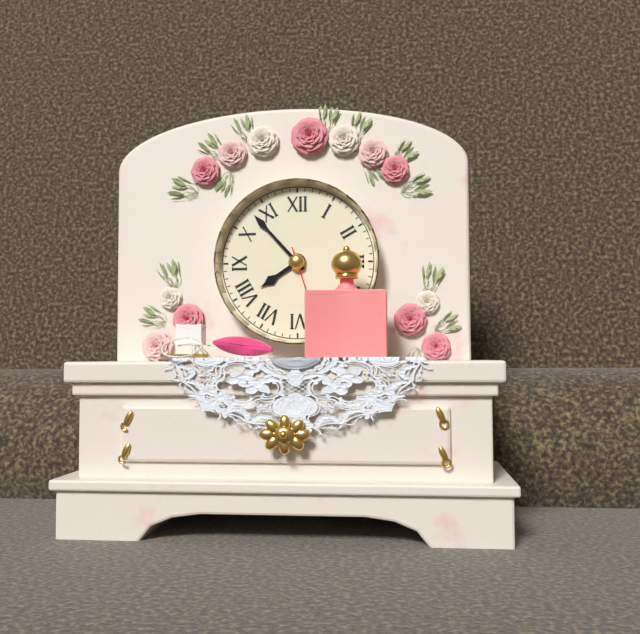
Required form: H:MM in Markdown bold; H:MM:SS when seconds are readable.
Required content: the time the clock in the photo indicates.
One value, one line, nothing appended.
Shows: **7:53**
